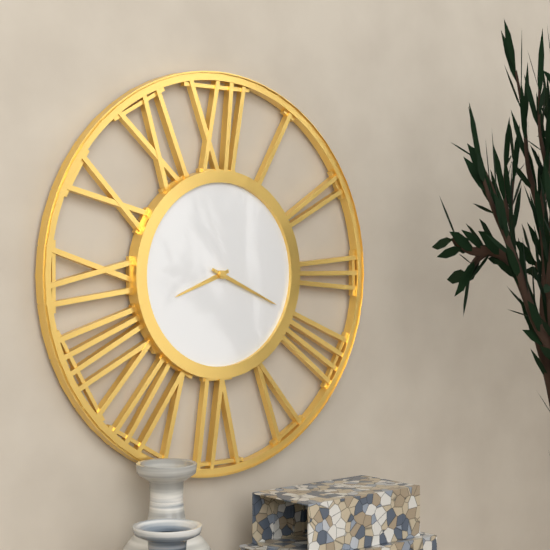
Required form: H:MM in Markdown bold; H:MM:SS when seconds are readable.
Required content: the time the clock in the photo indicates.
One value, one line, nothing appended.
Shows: **8:19**
